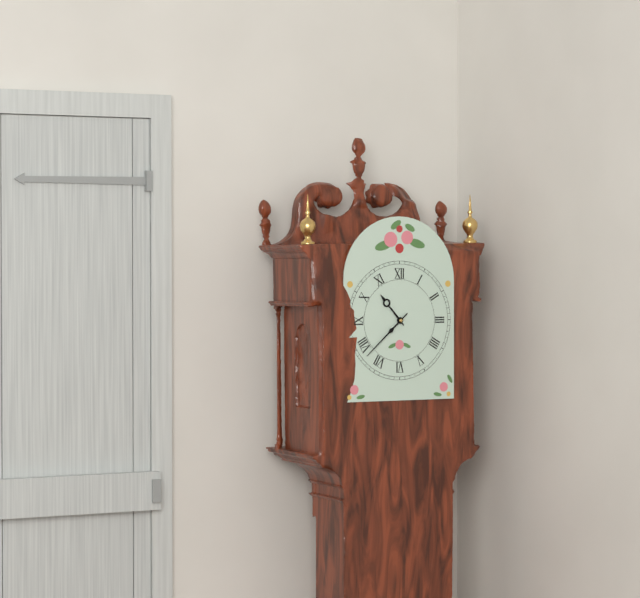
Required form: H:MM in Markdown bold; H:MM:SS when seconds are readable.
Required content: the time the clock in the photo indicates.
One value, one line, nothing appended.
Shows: **10:38**
